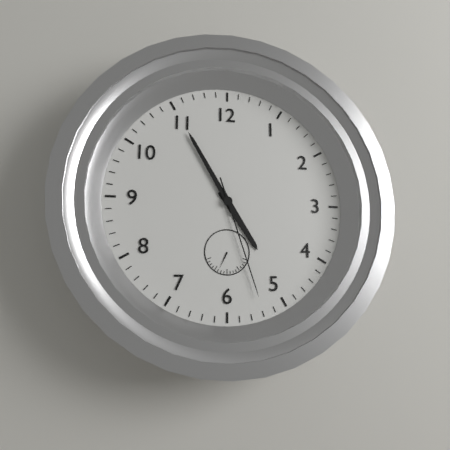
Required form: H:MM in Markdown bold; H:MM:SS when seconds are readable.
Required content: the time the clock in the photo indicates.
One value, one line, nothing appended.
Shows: **4:55:27**
